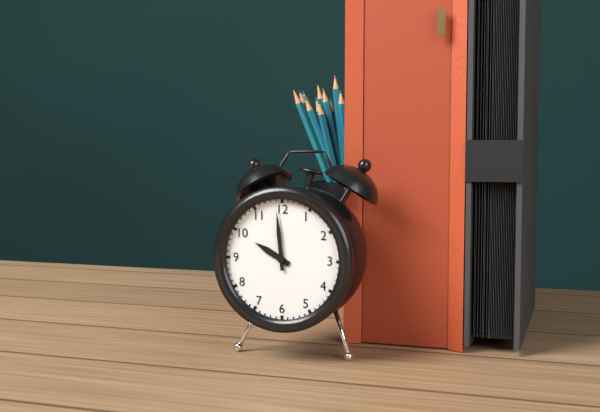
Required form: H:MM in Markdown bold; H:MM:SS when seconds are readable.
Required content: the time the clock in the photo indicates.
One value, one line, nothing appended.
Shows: **9:59**
